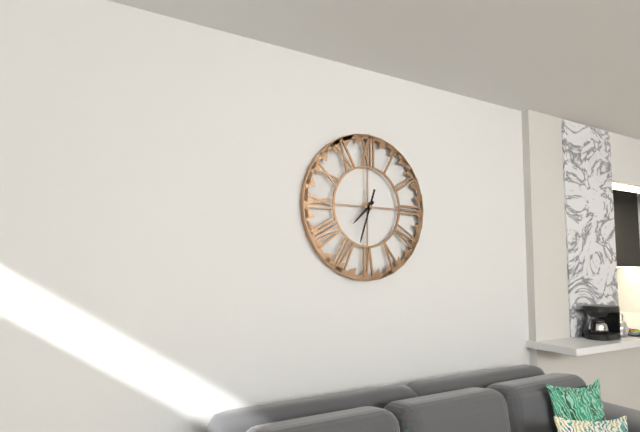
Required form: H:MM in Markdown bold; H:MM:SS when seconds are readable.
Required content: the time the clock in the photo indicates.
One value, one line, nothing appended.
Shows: **7:33**
